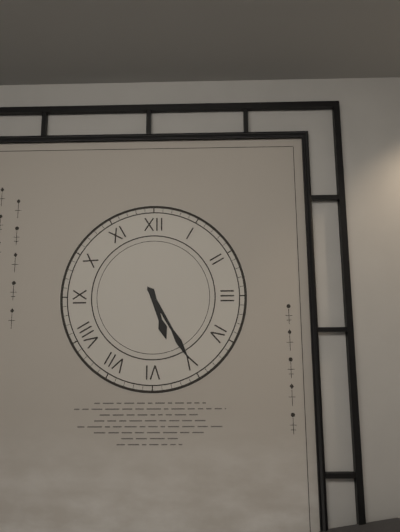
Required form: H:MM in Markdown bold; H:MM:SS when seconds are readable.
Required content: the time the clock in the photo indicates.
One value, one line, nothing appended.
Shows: **5:25**
